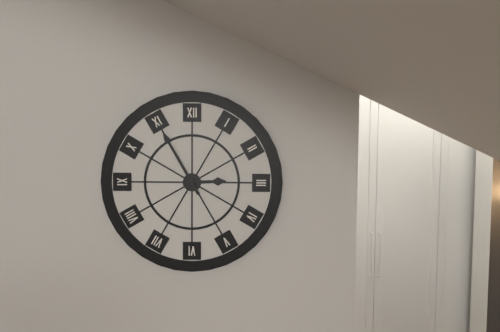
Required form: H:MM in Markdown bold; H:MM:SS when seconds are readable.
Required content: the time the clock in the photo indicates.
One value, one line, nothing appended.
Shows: **2:55**
